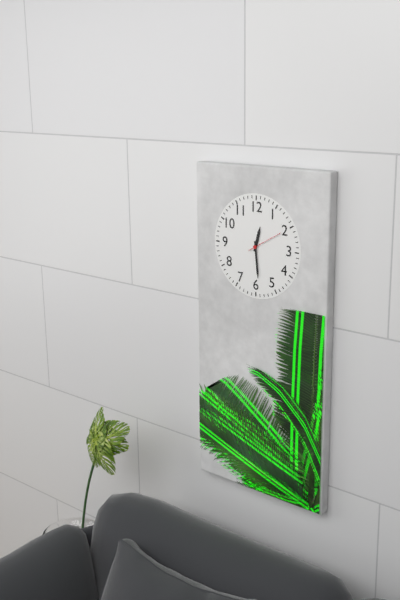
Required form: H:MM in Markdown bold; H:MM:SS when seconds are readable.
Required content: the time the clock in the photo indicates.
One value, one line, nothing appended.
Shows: **12:29**
